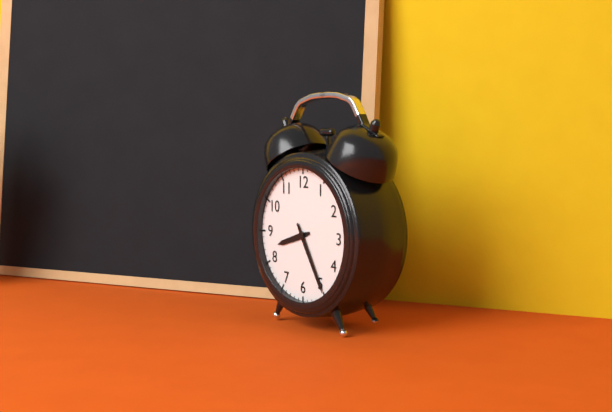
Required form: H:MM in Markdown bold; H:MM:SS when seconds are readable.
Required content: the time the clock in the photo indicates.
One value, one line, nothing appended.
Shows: **8:25**
